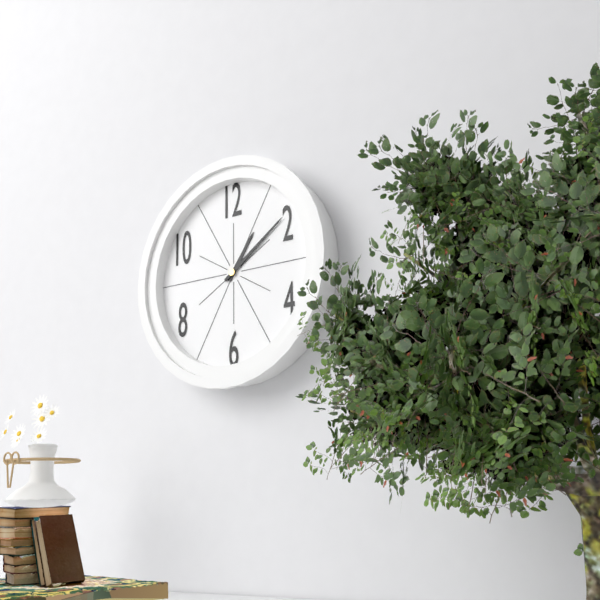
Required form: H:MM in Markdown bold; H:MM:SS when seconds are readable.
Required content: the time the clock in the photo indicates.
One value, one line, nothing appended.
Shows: **1:09**
